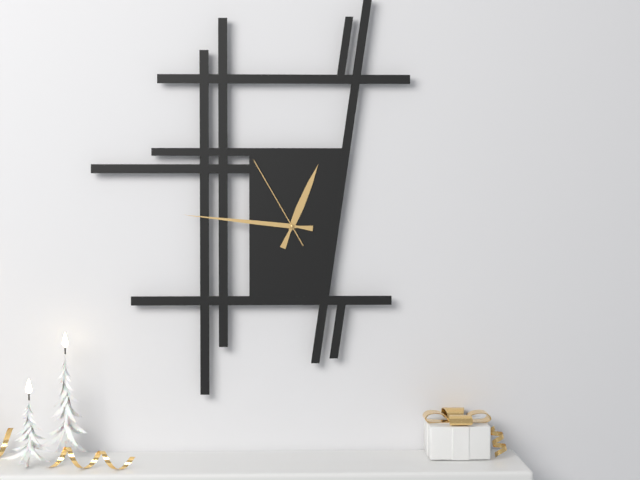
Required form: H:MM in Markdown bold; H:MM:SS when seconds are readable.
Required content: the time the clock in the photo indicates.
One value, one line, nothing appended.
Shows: **12:46:55**
